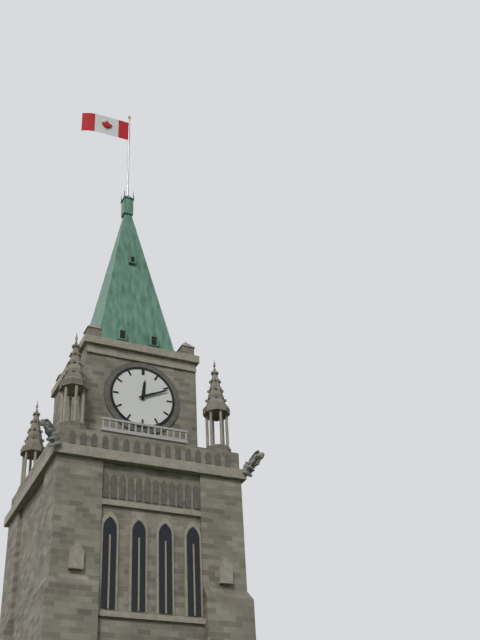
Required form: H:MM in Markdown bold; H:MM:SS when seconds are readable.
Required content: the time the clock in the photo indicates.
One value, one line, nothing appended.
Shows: **12:11**
